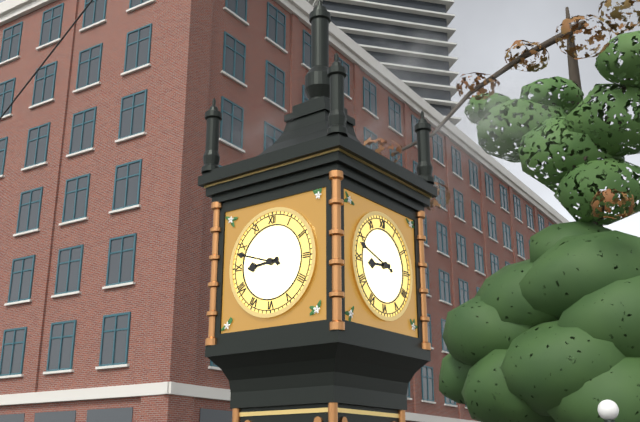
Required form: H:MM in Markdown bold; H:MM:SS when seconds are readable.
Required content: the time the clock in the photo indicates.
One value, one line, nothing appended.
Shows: **8:48**
